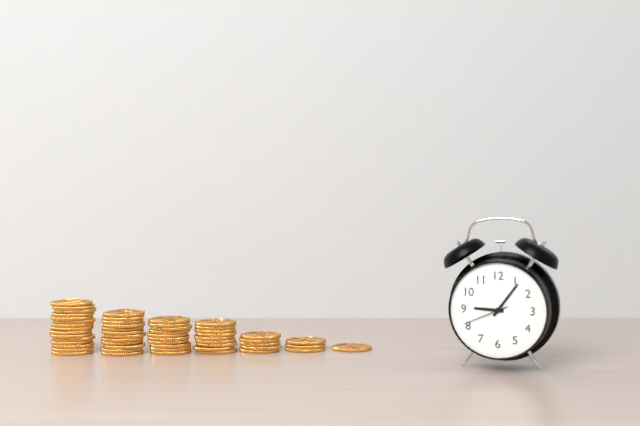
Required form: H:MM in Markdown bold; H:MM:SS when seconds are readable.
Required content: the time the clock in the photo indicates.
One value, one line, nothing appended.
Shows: **9:06**
